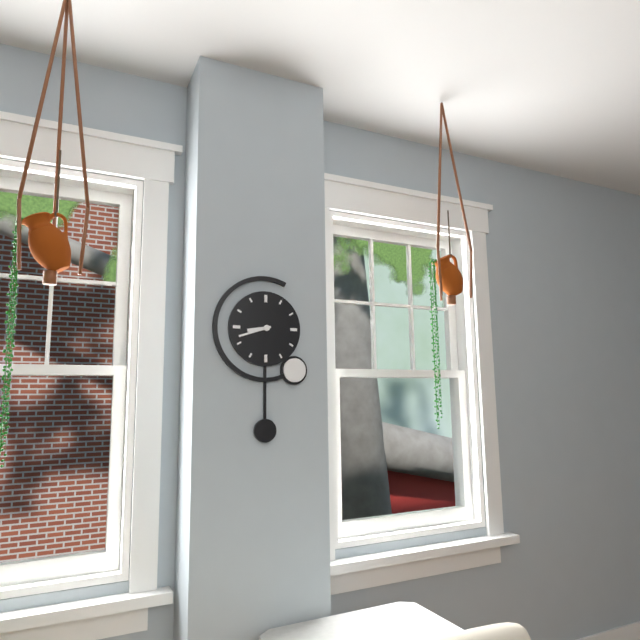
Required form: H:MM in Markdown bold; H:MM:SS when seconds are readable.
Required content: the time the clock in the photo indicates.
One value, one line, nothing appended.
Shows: **8:42**
